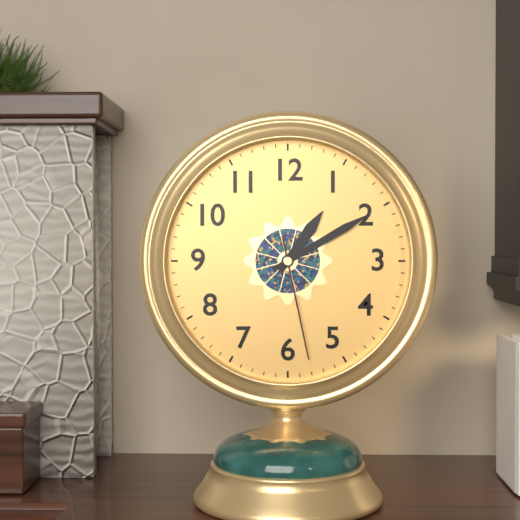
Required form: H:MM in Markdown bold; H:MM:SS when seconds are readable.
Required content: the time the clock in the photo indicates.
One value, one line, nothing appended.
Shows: **1:10:28**
